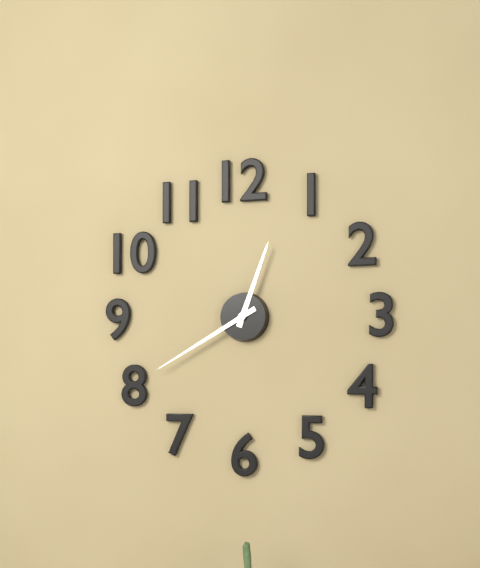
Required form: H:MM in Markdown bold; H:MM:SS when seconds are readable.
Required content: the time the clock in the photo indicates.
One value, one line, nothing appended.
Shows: **12:40**
